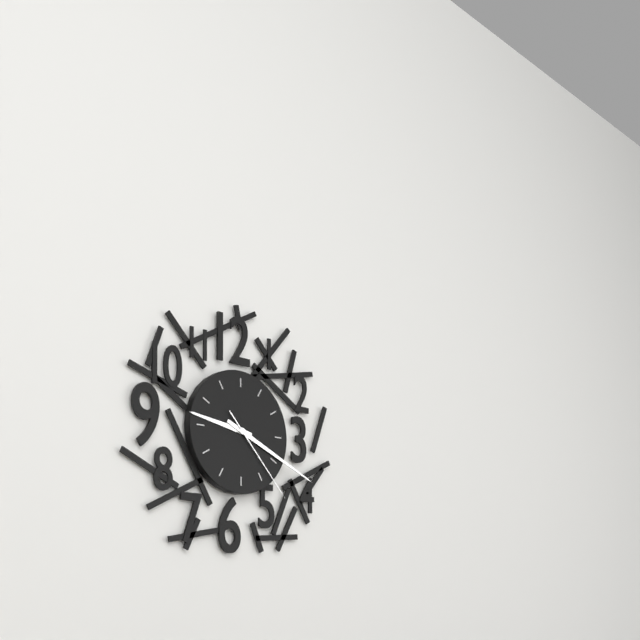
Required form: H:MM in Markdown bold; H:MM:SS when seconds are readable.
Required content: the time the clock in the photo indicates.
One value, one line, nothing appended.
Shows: **9:19:23**
